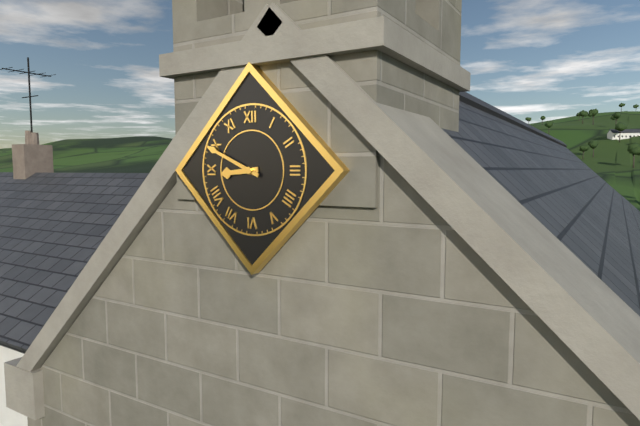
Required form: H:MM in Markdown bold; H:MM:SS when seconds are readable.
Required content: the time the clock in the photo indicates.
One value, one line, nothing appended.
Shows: **8:49**
